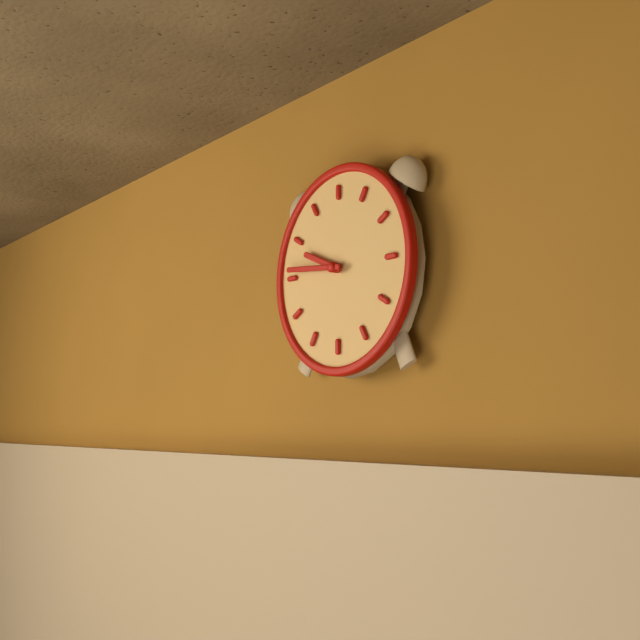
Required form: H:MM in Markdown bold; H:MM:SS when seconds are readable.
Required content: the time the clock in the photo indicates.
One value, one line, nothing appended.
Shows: **9:46**
